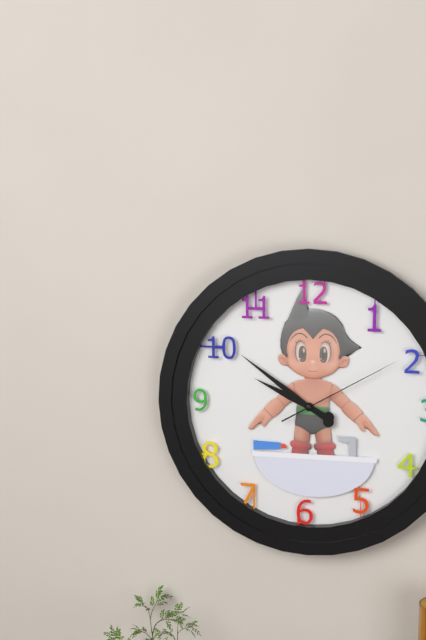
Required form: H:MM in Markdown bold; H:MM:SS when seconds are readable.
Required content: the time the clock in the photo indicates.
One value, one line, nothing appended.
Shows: **9:51:10**
